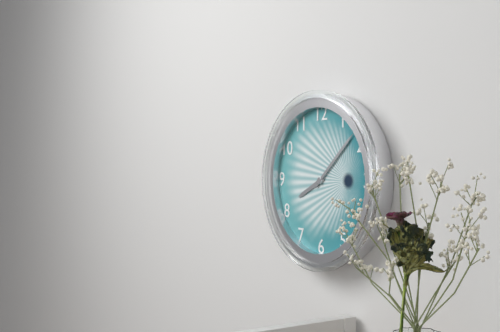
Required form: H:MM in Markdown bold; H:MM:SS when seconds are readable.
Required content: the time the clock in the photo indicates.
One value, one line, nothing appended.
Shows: **8:08**
